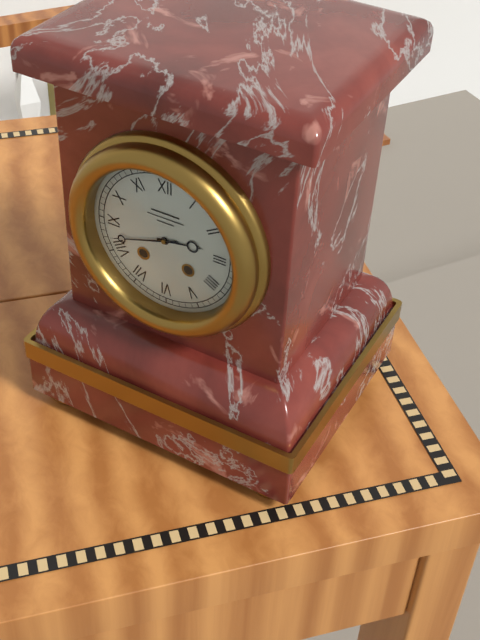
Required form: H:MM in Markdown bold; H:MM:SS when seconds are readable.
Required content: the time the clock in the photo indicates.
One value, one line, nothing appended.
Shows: **2:42**
